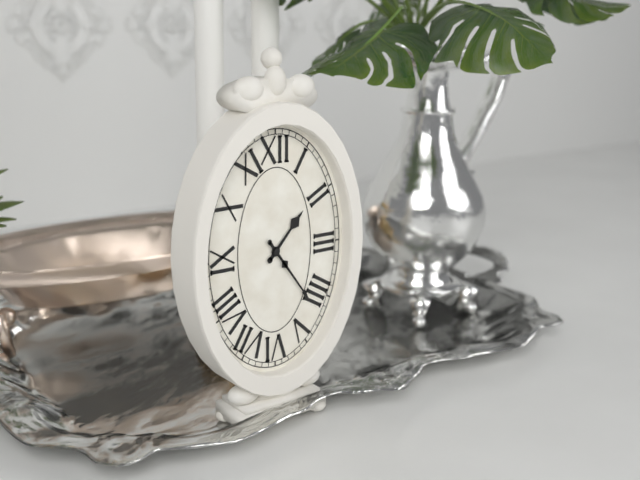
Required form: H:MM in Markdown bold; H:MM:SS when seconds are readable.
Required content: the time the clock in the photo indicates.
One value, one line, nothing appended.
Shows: **1:24**
